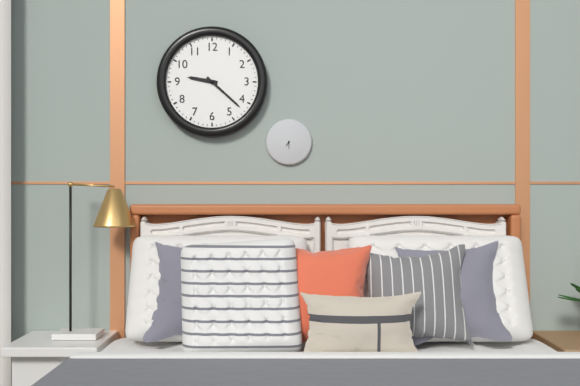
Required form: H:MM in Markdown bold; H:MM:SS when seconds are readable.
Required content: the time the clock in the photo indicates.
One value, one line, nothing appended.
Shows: **9:22**
